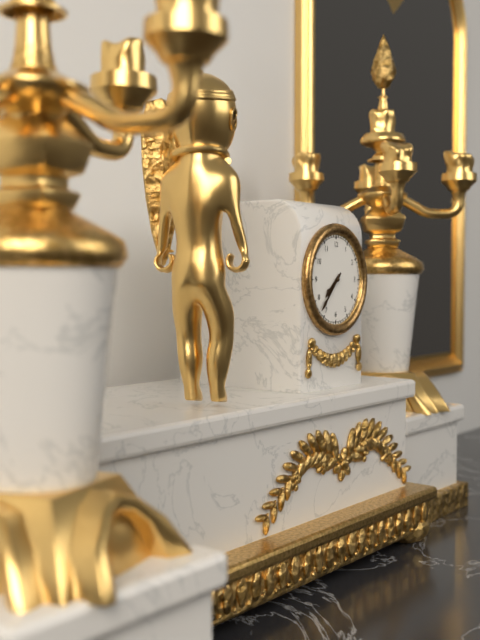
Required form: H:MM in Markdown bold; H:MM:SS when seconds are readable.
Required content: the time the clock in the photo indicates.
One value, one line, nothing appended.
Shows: **7:37**
